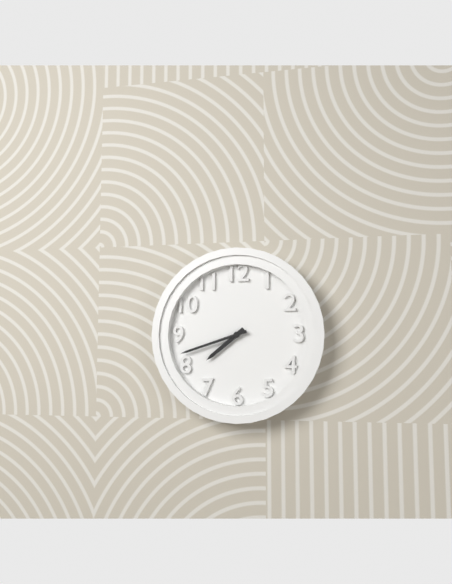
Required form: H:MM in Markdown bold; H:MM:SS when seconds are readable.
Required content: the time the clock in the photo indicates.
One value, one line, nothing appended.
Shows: **7:42**
